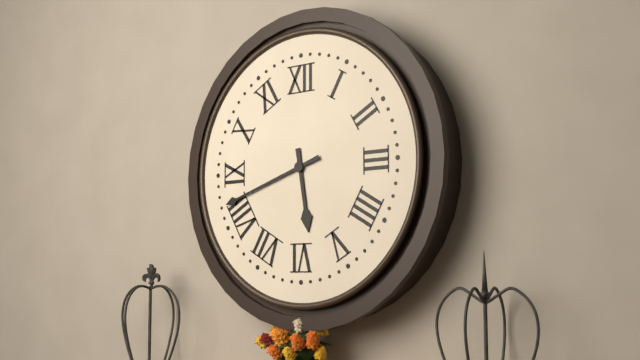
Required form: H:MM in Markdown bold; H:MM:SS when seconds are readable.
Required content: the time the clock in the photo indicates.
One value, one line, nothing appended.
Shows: **5:42**
